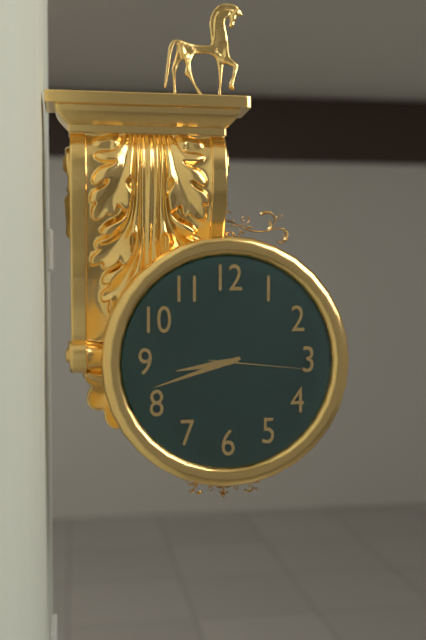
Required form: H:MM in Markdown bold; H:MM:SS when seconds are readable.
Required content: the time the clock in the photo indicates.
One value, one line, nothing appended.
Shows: **8:42:16**
